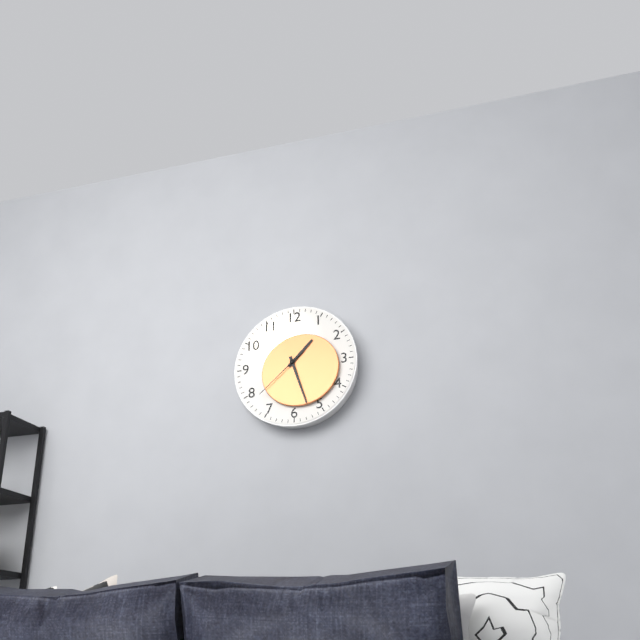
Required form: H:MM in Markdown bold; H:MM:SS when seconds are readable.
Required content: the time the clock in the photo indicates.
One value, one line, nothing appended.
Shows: **1:27:38**
